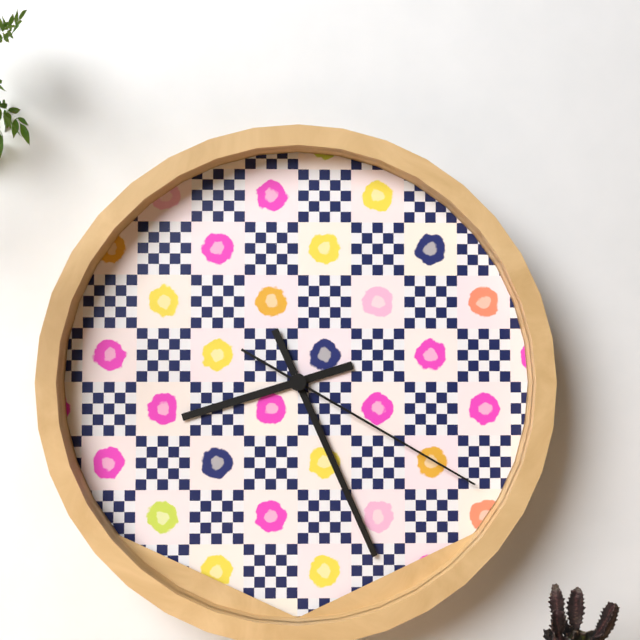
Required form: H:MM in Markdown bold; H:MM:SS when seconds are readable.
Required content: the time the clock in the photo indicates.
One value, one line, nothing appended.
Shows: **8:26:20**
